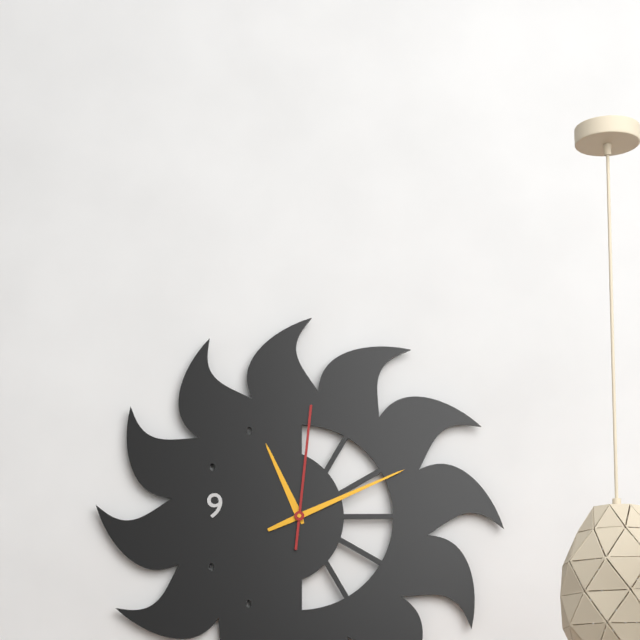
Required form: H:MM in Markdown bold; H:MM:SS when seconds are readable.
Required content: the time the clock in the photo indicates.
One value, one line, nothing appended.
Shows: **11:11:01**
